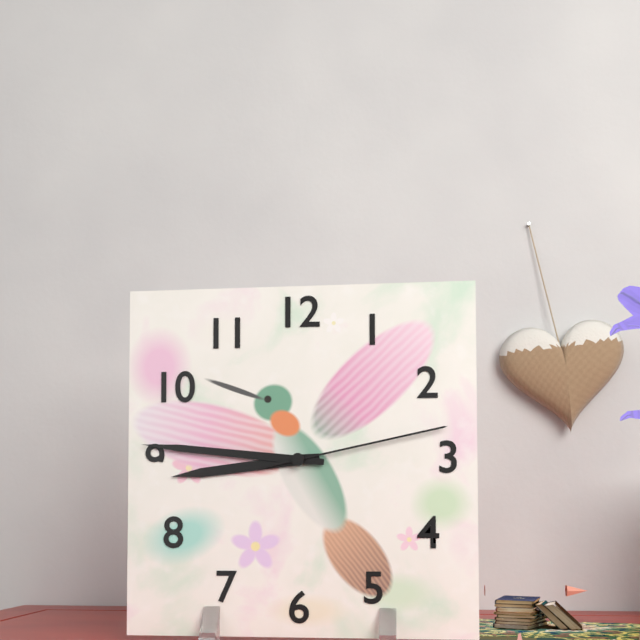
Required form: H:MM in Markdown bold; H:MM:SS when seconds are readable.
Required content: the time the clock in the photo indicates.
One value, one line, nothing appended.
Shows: **8:46:13**
